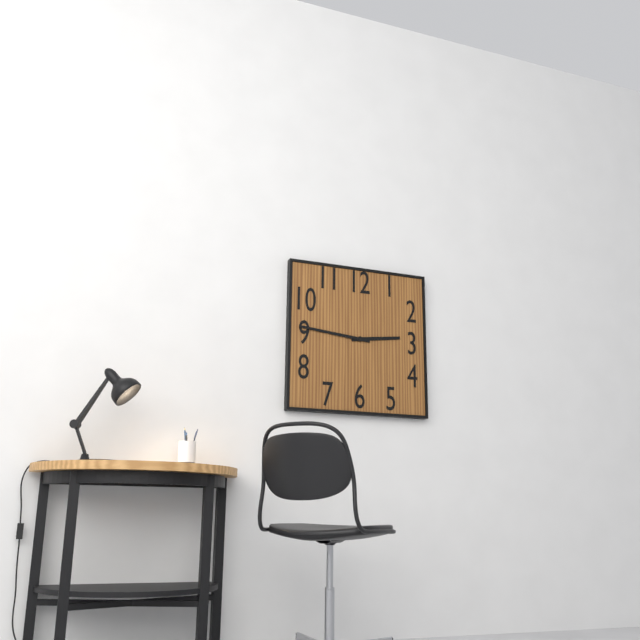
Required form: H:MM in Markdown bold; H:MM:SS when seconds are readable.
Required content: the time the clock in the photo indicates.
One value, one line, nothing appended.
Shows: **2:46**
